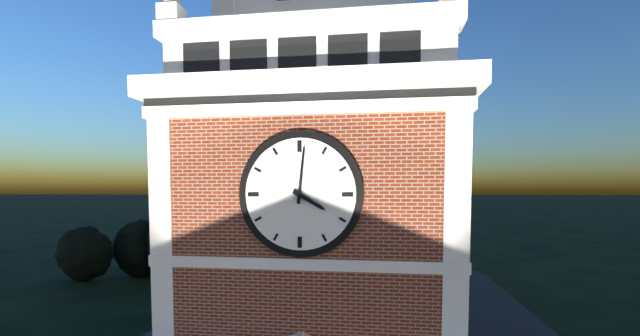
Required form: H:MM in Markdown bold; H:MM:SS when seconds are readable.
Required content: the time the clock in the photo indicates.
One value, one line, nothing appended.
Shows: **4:01**
